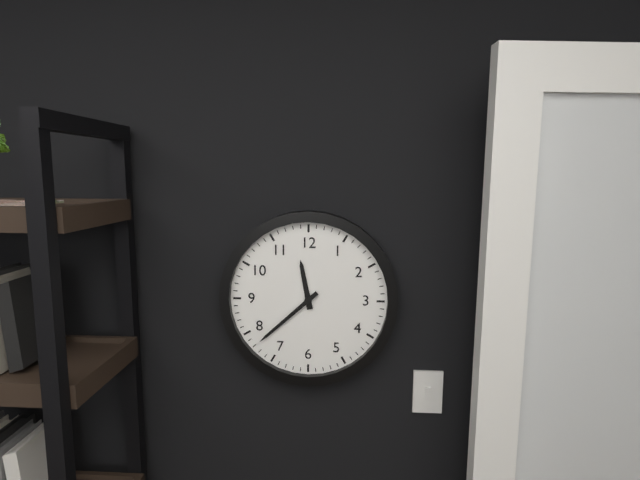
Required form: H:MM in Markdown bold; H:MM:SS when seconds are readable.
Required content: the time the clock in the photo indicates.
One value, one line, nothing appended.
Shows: **11:38**
